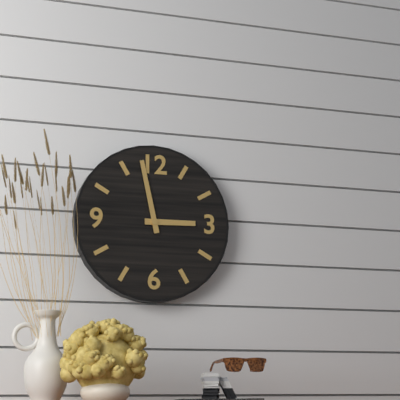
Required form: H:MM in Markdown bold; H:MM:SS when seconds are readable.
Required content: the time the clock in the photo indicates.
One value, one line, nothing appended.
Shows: **2:58**
